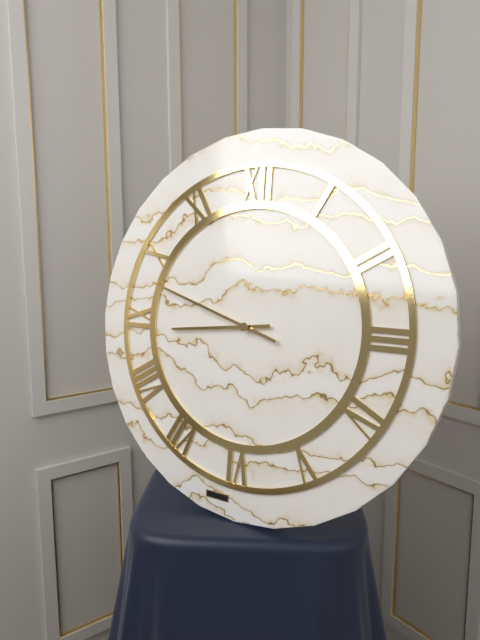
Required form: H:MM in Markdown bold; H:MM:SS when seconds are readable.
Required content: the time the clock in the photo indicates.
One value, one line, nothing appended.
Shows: **8:48**
